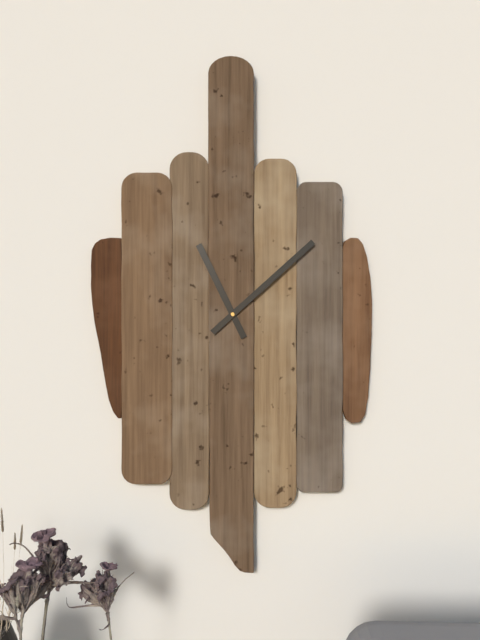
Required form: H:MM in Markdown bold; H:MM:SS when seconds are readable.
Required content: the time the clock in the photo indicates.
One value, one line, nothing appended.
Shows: **11:08**
